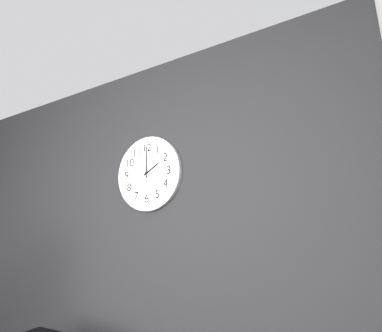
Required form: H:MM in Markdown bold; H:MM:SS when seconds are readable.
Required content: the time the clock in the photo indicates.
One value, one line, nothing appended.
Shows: **2:00**
